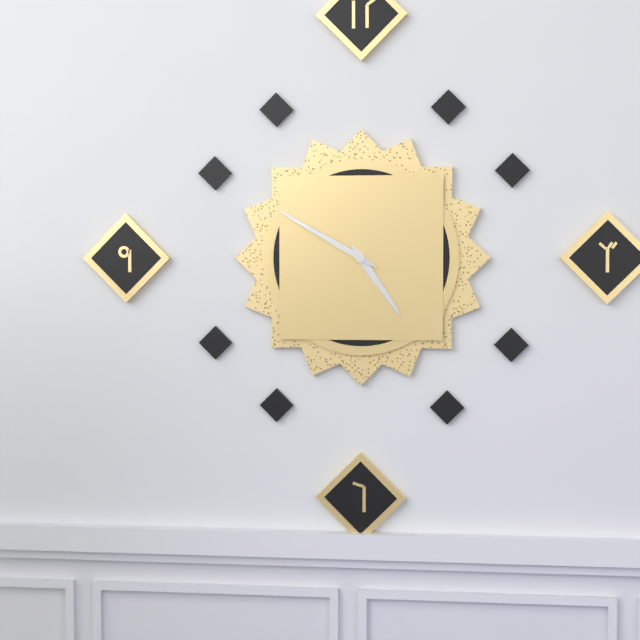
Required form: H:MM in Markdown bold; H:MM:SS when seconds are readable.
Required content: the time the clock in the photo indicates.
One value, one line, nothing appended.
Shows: **4:50**
